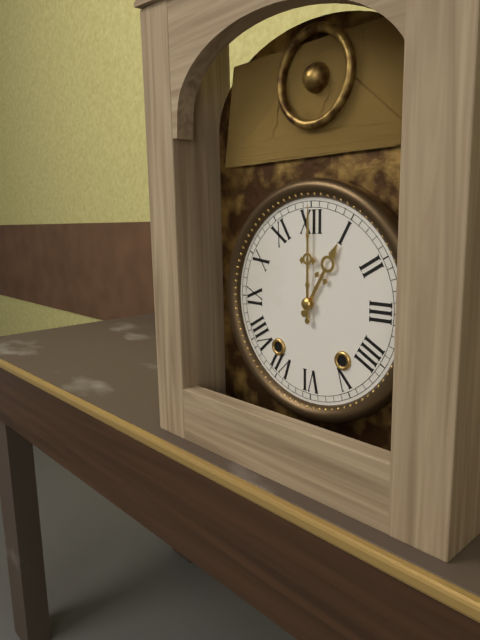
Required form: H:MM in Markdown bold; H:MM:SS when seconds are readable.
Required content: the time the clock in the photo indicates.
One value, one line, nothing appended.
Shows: **1:00**
